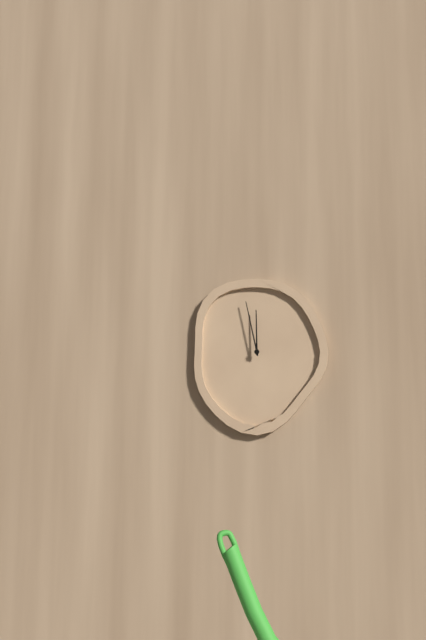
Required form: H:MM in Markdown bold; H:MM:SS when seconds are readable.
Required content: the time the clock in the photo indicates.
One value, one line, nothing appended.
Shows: **11:58**
